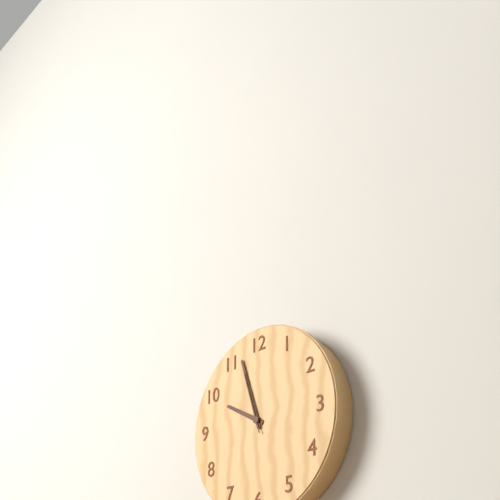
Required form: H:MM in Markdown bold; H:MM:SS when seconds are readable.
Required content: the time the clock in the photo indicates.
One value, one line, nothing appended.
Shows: **9:57:57**
